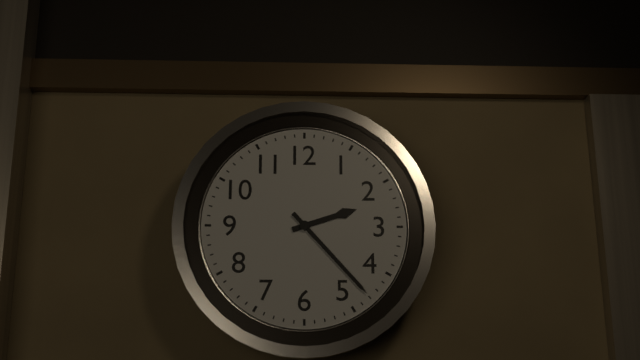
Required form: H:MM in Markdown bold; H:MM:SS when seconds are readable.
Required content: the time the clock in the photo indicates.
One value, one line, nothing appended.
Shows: **2:23**
